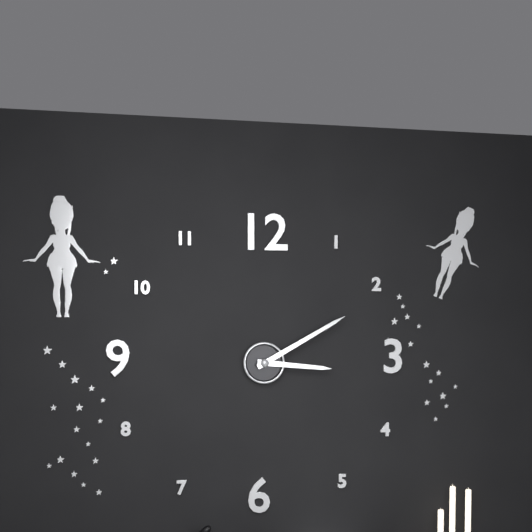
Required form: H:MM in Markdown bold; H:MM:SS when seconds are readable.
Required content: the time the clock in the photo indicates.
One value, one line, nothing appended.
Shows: **3:10**
